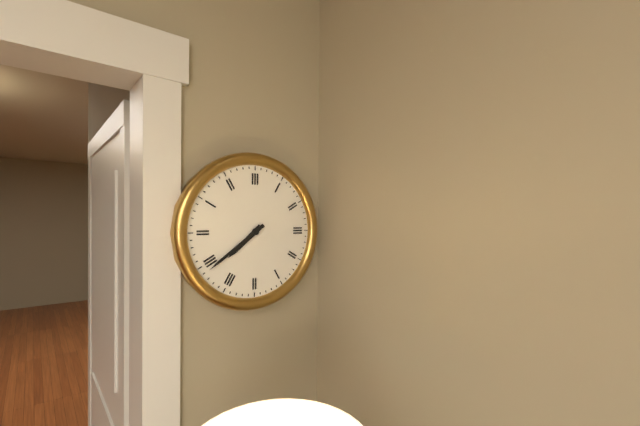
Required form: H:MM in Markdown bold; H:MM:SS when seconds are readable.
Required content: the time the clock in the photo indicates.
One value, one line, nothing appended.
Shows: **7:39**
